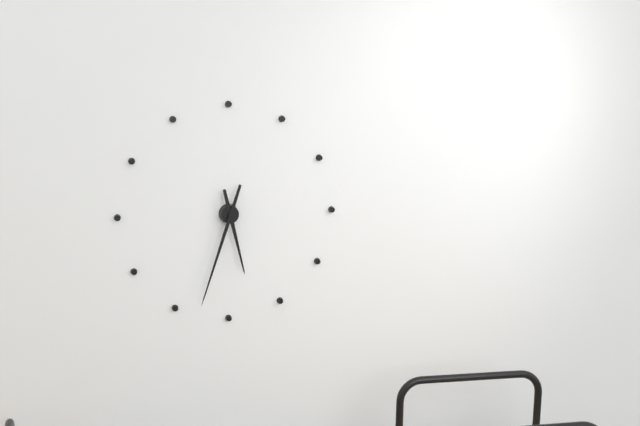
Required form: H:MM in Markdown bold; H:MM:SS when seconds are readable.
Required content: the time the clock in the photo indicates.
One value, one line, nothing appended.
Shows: **5:33**
